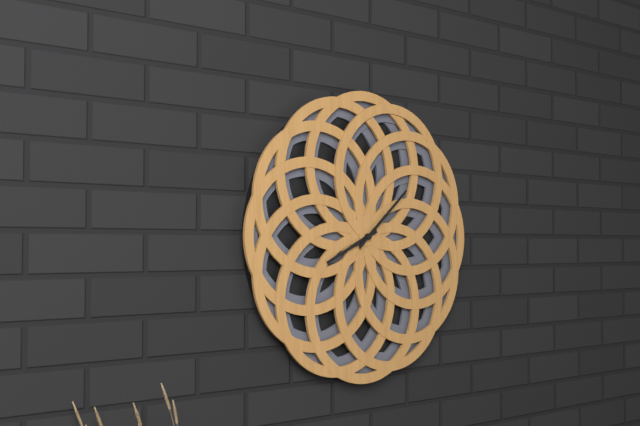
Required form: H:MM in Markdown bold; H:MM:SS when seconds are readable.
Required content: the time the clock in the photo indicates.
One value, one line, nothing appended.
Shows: **8:08**
